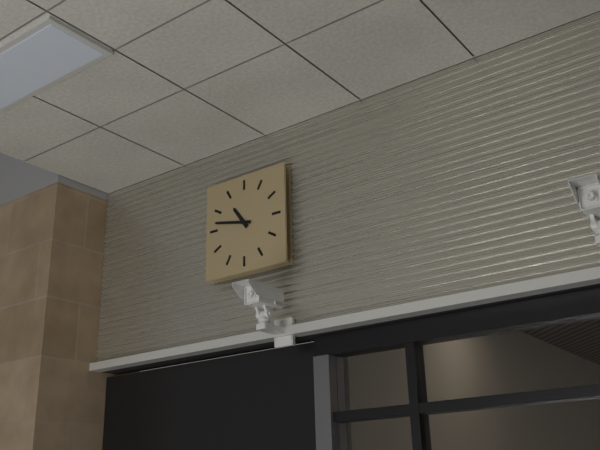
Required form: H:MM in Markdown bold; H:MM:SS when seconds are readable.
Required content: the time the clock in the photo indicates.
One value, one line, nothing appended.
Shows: **10:47**
